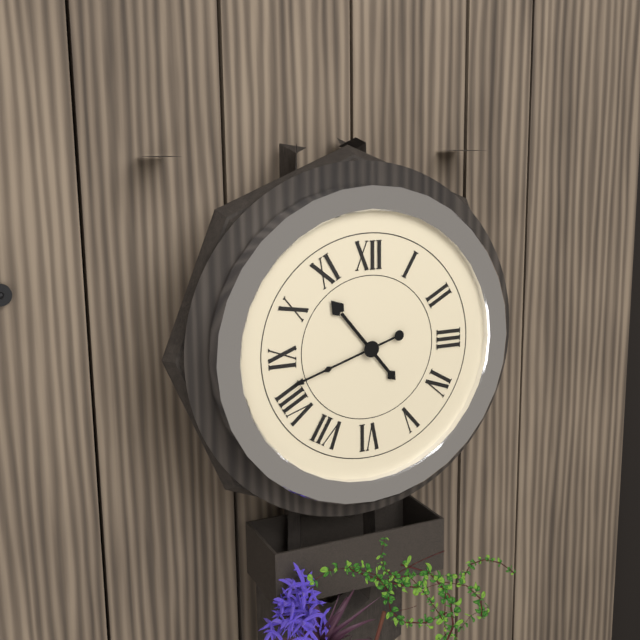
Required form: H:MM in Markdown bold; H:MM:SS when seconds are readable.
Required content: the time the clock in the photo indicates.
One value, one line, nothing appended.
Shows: **10:42**
